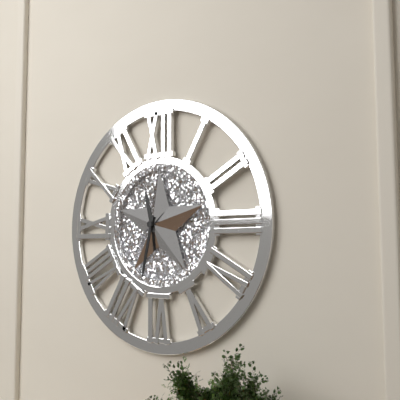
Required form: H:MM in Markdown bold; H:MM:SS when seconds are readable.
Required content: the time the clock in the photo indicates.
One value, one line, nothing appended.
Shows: **11:32**
